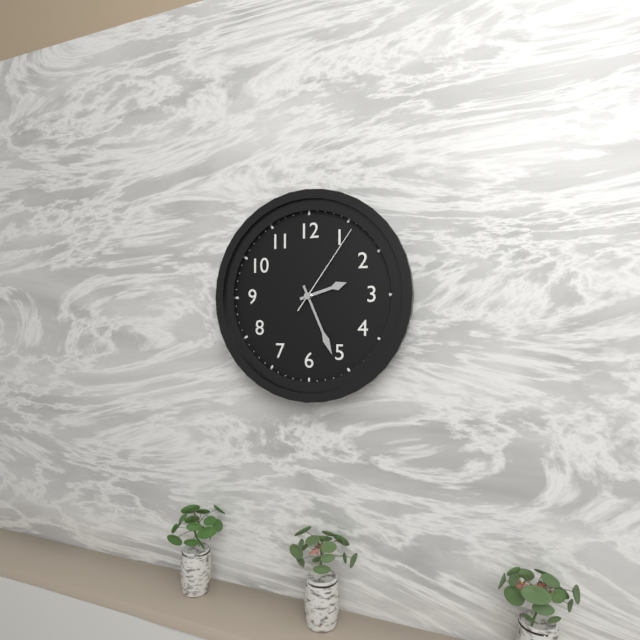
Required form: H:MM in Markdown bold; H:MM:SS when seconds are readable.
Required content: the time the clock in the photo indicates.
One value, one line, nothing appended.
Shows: **2:26:06**
